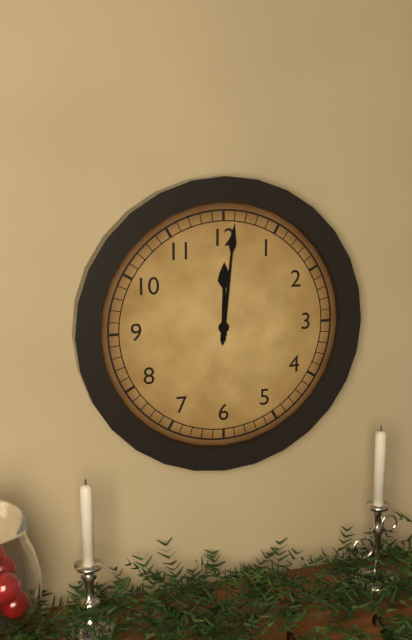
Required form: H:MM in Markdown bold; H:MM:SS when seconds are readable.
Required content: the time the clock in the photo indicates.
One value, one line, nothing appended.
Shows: **12:01**
